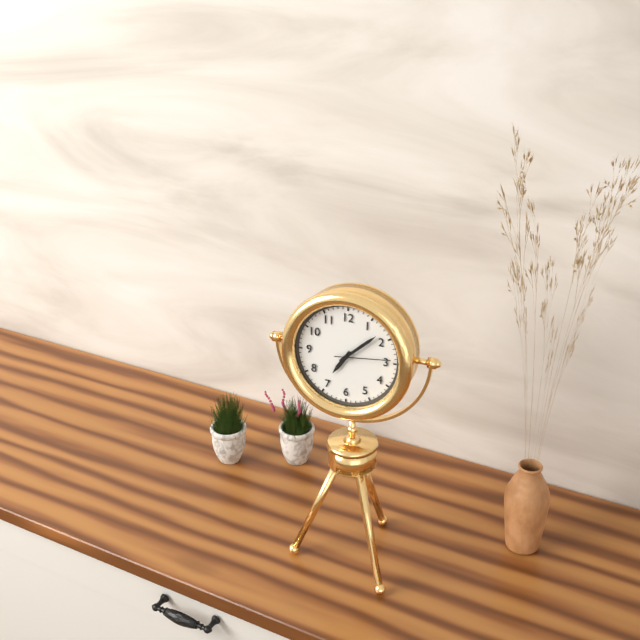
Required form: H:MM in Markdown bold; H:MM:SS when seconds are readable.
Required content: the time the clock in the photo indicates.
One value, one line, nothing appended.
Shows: **7:08:14**
